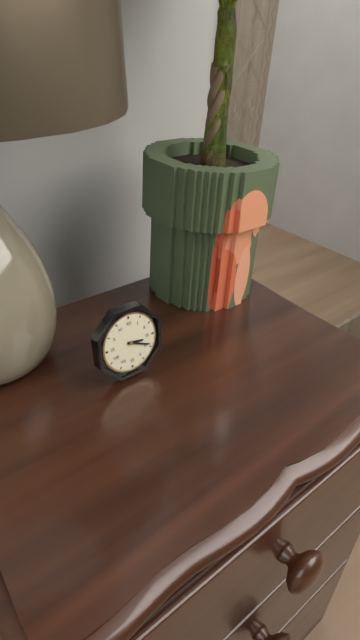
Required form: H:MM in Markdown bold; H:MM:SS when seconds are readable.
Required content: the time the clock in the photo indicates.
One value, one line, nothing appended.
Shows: **3:19**
